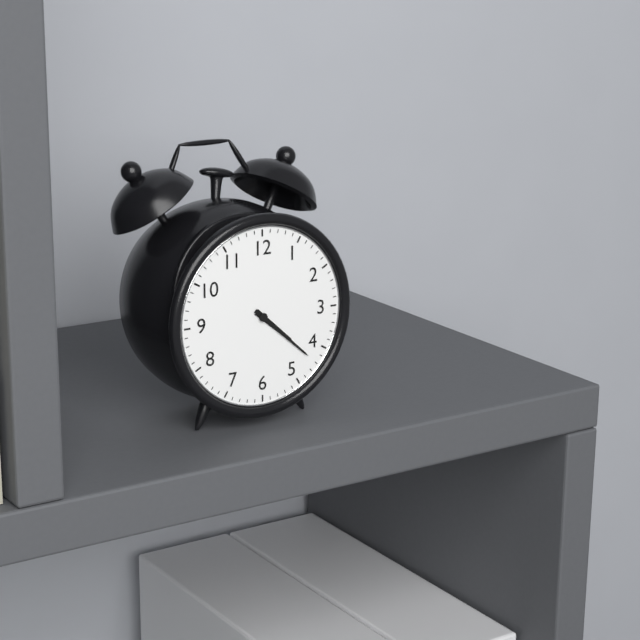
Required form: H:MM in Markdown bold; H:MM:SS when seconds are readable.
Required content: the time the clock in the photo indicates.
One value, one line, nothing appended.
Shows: **4:22**
